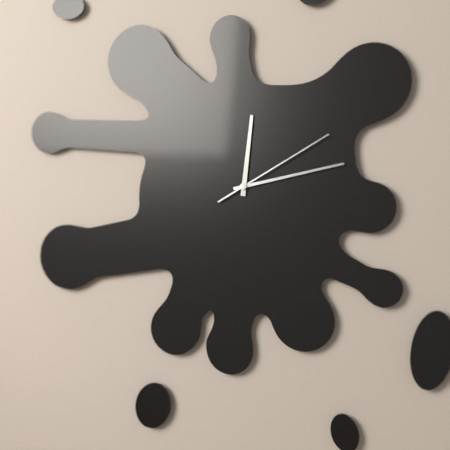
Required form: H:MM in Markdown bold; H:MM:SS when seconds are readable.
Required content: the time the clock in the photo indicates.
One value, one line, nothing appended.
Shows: **12:13:10**
